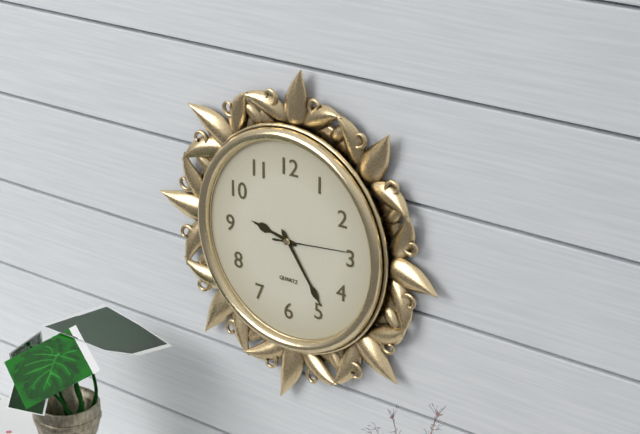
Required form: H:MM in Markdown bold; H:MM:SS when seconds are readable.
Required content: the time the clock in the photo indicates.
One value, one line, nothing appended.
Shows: **9:24:14**
